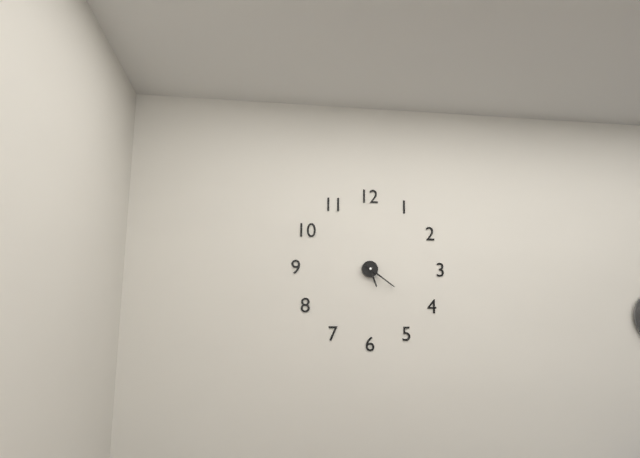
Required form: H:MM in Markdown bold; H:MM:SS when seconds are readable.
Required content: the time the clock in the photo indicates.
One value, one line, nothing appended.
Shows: **5:21**
